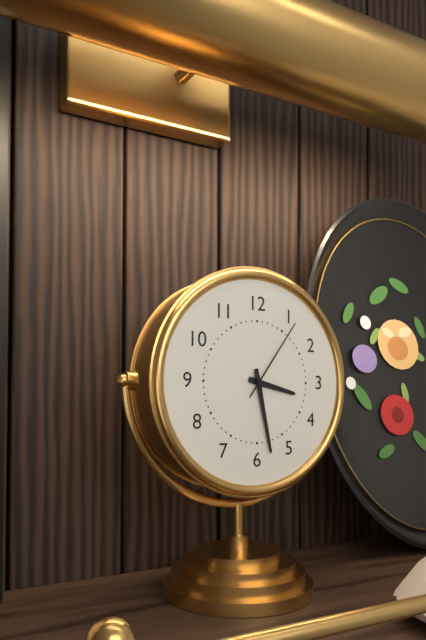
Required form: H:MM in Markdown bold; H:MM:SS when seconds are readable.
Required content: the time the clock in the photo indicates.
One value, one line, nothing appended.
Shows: **3:28:06**
